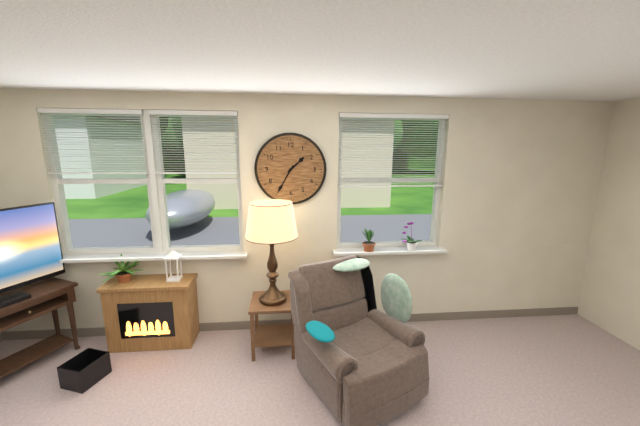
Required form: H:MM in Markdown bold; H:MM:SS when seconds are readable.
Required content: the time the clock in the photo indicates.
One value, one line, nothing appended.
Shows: **1:35**
